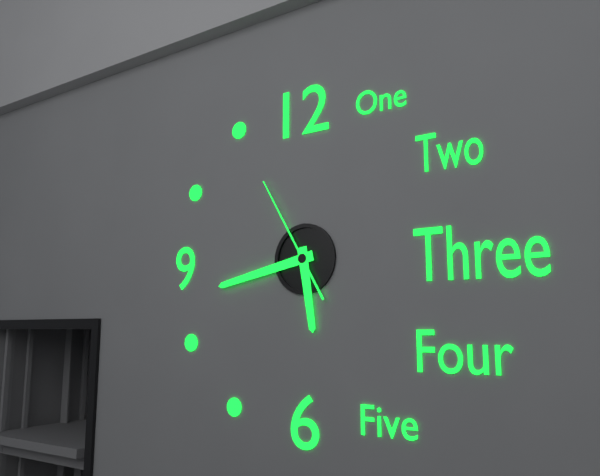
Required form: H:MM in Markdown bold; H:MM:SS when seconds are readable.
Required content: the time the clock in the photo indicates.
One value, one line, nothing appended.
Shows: **5:43:55**
